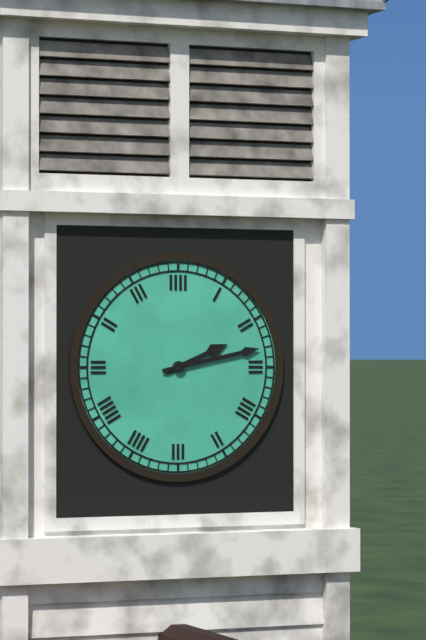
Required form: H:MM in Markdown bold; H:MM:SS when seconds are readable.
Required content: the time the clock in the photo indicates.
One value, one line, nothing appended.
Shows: **2:13**
